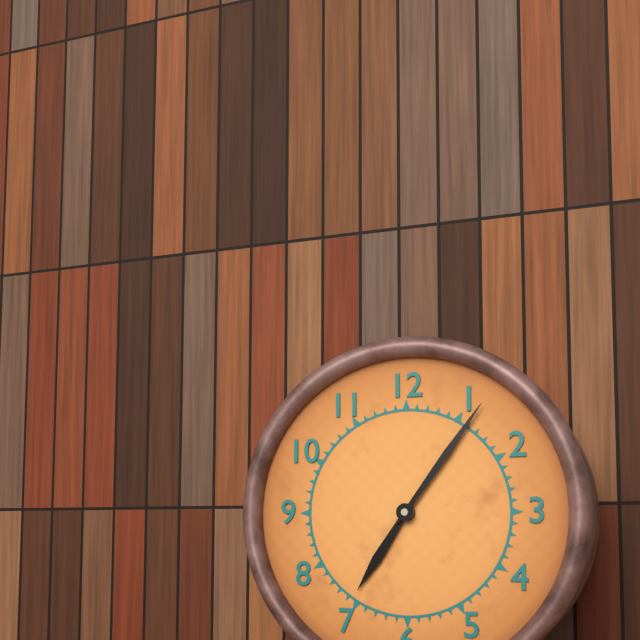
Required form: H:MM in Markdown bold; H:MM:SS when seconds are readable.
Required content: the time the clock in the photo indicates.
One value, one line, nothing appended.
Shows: **7:06**
